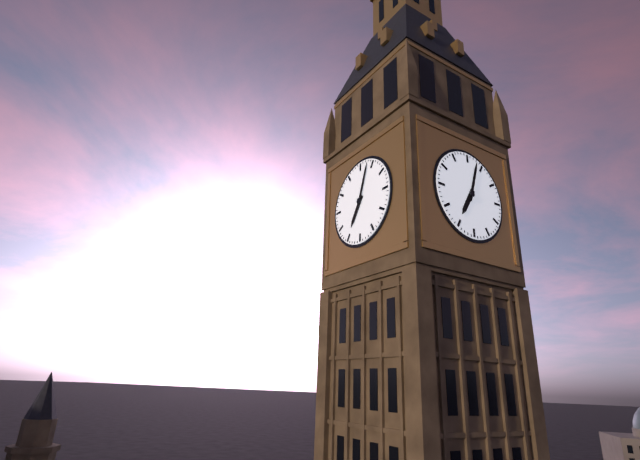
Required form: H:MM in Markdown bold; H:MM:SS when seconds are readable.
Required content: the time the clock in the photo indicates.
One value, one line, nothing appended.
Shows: **7:03**
